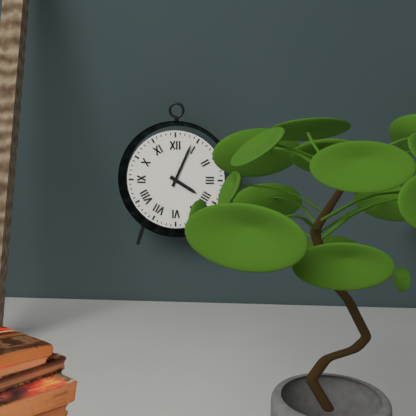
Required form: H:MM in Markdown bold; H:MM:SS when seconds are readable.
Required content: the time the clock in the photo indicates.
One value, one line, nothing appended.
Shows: **4:04**
